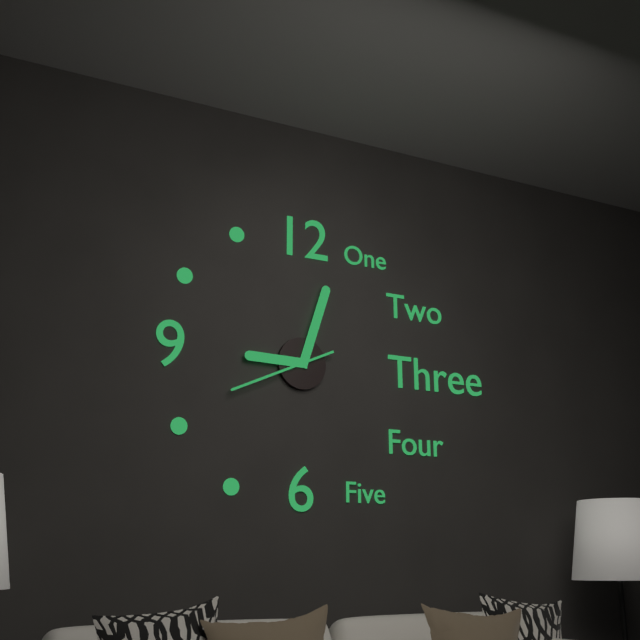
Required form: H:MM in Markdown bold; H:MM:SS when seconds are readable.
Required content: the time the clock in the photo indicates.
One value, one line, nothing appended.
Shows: **9:03:41**
